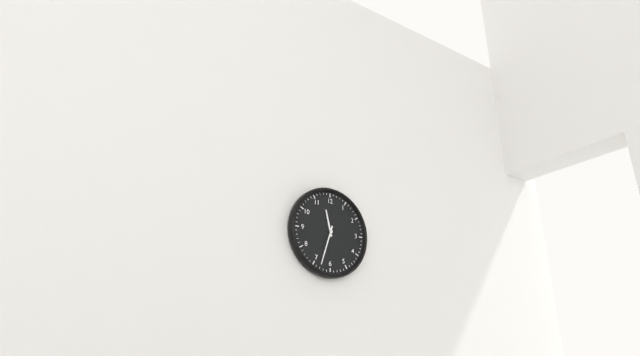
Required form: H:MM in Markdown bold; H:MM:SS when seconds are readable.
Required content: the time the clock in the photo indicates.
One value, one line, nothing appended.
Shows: **11:33**
